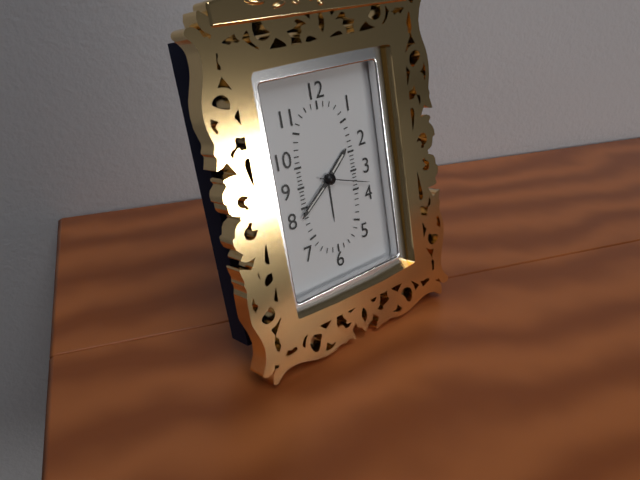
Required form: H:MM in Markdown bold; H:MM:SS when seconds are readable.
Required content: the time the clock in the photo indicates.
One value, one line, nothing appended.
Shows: **1:39:18**
